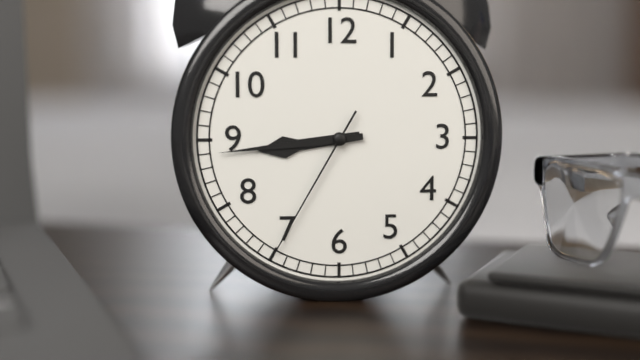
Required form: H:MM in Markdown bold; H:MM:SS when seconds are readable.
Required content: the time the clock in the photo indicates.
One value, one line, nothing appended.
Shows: **8:44:35**
